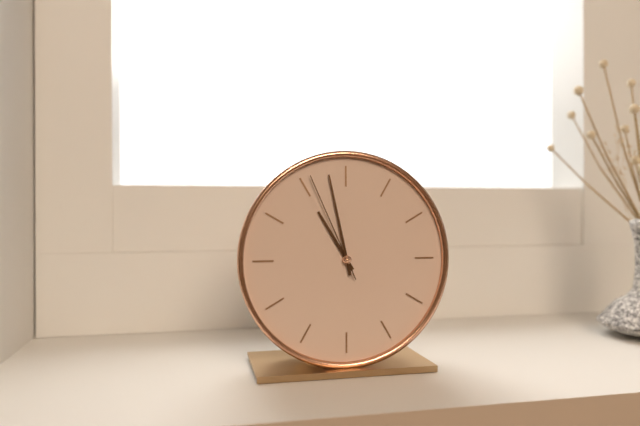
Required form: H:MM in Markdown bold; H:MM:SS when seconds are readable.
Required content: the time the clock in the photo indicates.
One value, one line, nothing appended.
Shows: **10:58:56**
